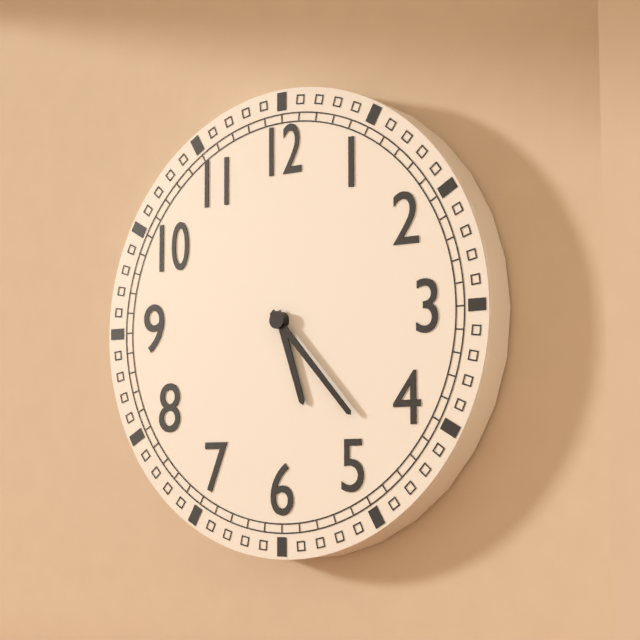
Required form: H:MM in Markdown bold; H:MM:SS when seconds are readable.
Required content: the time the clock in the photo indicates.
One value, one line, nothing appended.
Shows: **5:23**
